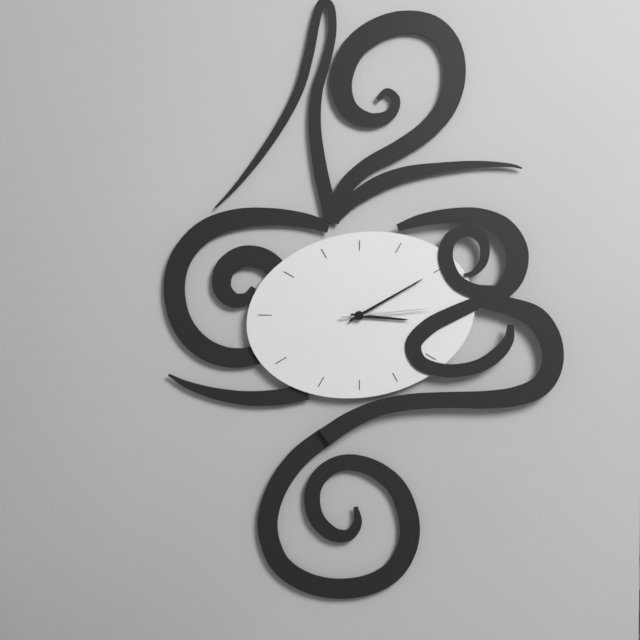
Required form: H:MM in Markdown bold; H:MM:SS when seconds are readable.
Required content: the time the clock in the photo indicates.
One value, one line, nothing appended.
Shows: **3:10:14**
